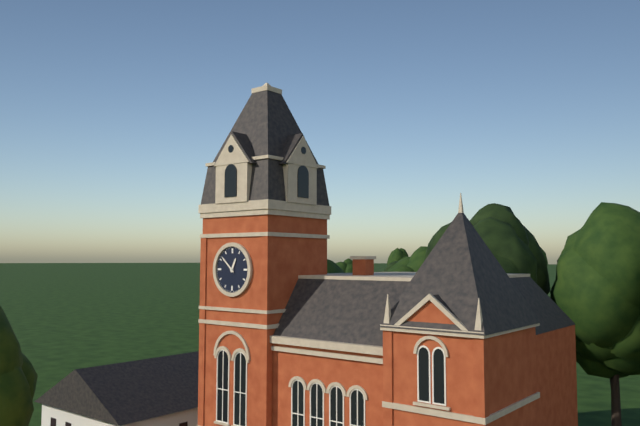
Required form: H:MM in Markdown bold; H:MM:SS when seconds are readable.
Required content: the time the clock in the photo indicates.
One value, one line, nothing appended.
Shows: **12:52**
